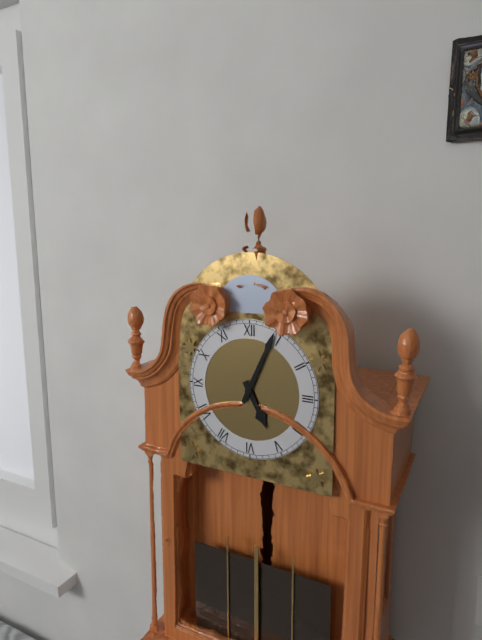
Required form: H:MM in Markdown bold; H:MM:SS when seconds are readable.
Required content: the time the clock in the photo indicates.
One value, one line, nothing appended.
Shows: **5:04**
